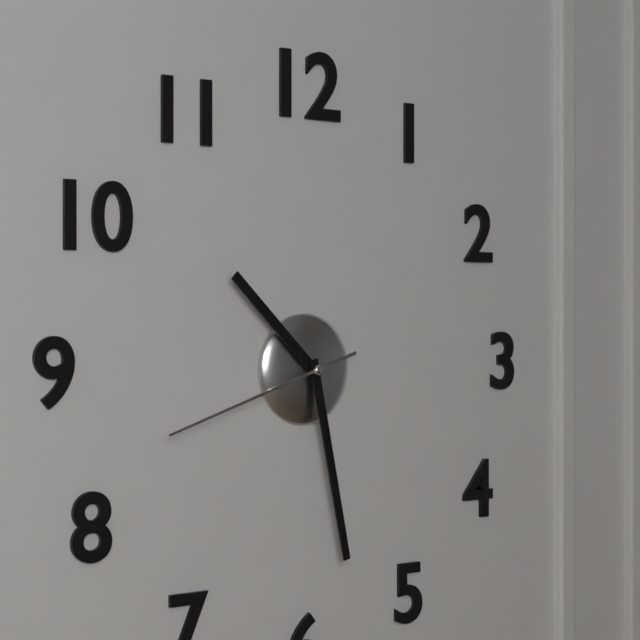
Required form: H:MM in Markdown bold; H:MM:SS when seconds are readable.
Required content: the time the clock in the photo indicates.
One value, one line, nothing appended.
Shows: **10:28:42**
